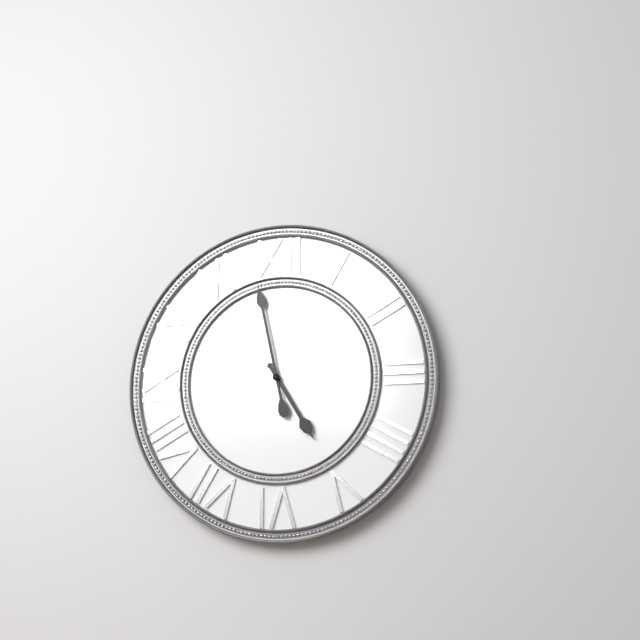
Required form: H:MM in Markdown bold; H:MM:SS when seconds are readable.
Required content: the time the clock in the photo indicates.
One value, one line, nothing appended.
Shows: **4:58**
